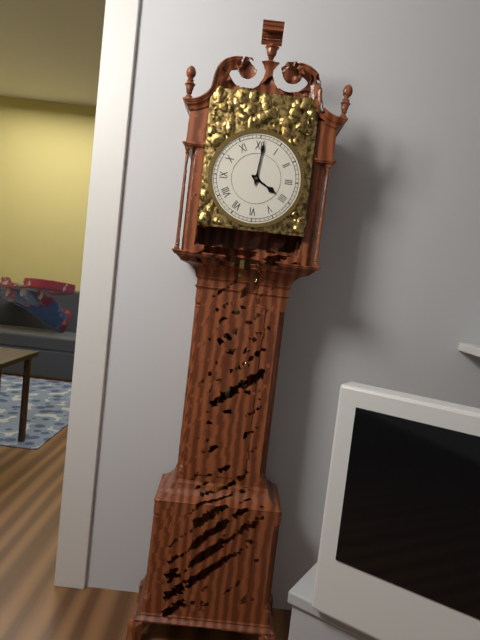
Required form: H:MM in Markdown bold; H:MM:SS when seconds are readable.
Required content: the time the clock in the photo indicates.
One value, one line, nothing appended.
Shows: **4:01**
